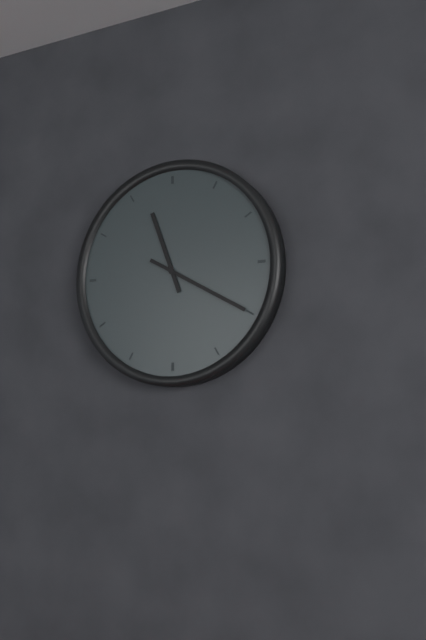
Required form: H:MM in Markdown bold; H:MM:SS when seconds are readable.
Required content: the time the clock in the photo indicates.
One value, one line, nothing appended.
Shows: **11:20**
